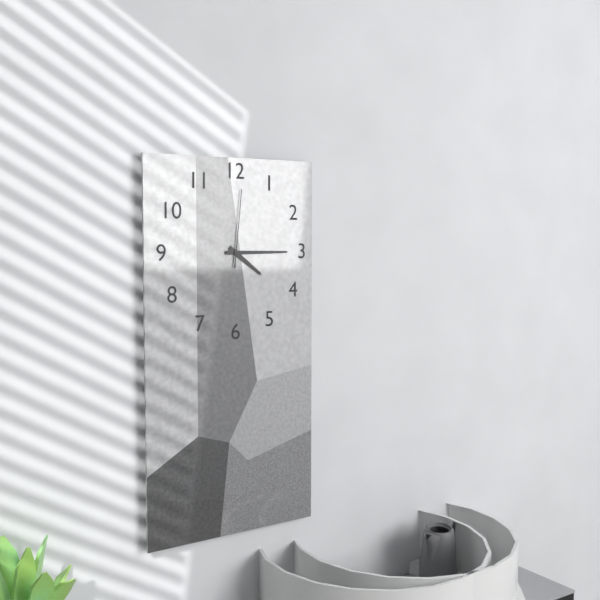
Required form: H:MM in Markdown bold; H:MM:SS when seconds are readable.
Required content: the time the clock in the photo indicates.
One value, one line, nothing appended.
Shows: **4:15:01**
